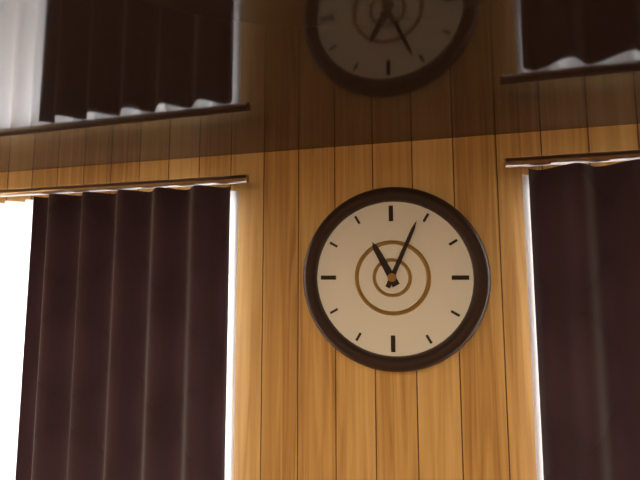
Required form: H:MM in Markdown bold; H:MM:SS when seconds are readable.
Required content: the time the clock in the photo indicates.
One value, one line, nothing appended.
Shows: **11:04**
